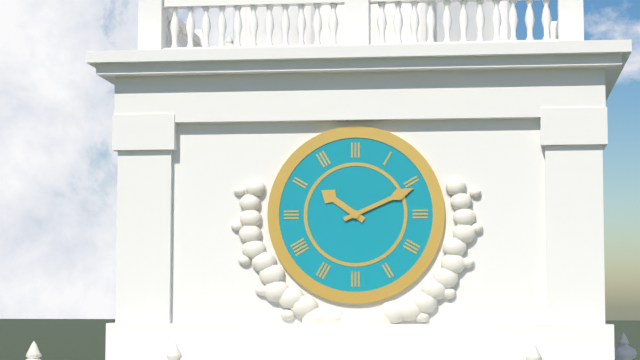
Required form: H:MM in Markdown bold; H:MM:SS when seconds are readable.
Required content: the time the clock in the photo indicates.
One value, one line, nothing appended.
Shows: **10:11**
